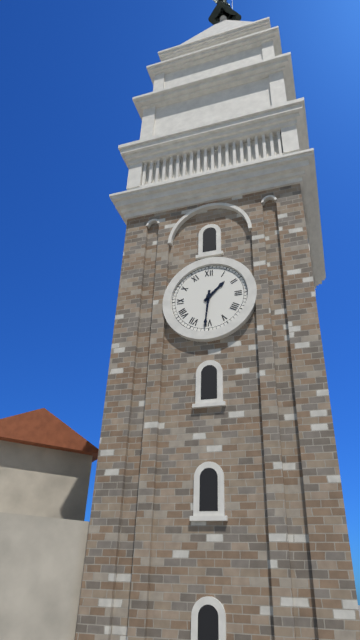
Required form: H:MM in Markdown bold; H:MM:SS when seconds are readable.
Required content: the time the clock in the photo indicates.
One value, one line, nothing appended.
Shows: **1:31**
